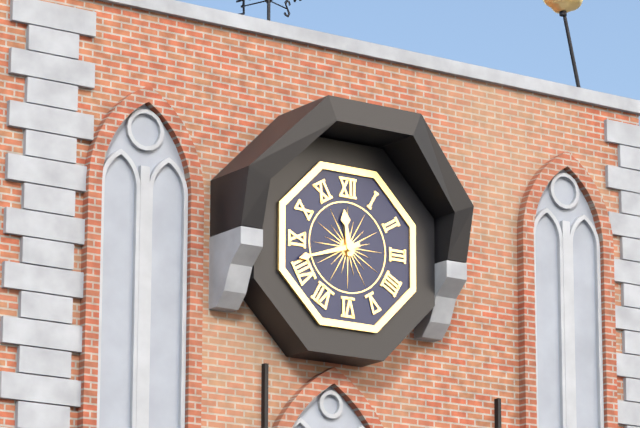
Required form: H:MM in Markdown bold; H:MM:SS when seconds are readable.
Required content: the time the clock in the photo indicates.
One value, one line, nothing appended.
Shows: **11:42**
